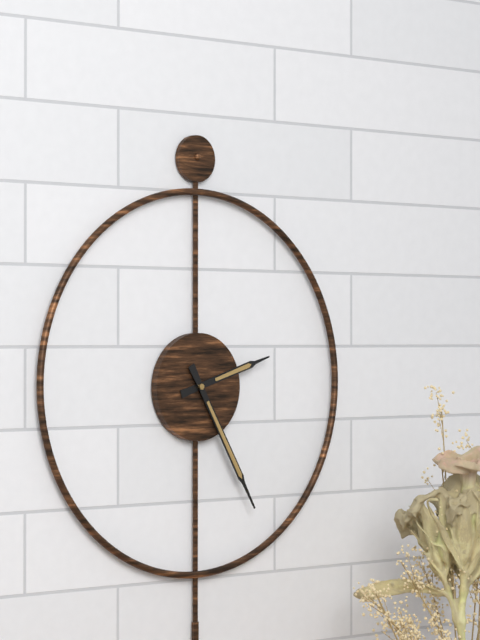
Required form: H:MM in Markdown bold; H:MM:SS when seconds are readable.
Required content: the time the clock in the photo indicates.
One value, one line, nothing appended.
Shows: **2:25**
